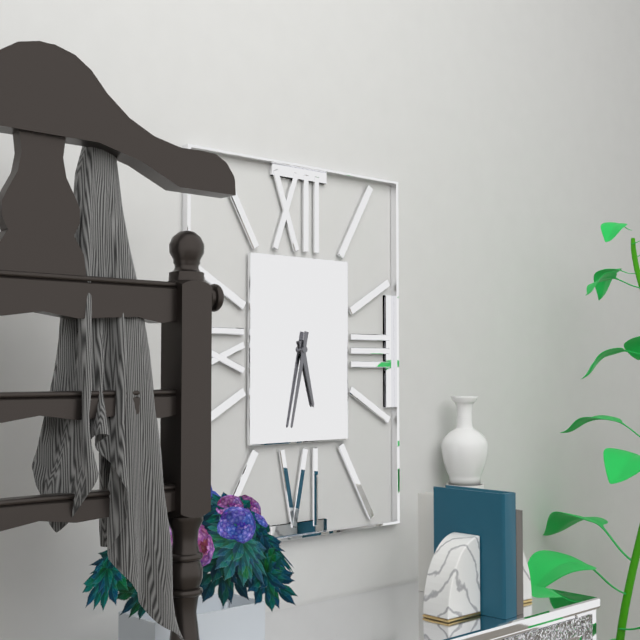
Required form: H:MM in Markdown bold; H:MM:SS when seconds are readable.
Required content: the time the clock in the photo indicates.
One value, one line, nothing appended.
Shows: **5:32**
